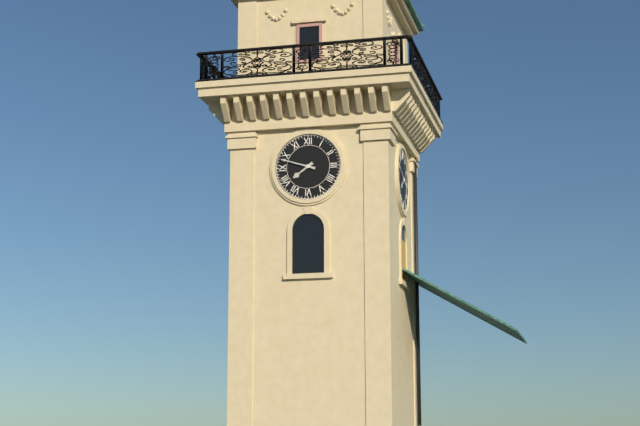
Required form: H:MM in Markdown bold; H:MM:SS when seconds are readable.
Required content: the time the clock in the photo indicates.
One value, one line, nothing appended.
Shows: **7:48**
